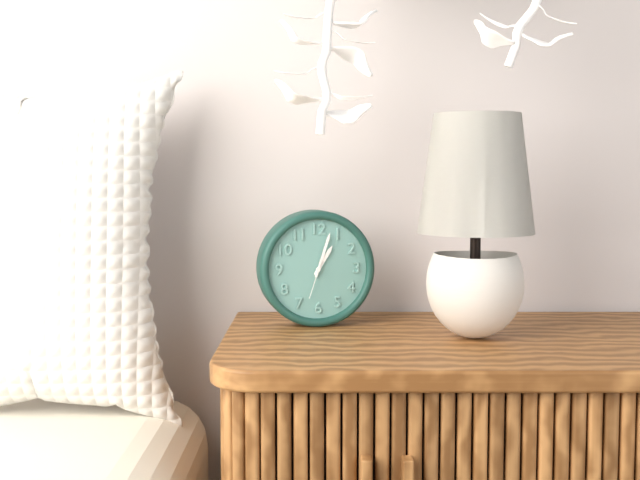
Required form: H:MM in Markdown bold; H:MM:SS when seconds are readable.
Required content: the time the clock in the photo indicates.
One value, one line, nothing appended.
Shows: **1:03**
